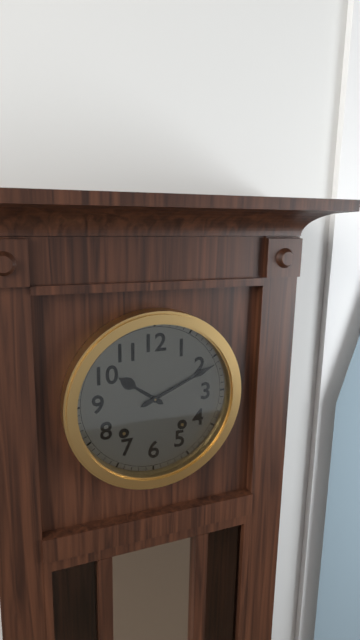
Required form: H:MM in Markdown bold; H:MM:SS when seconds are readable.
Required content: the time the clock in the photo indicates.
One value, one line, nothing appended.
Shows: **10:11**
